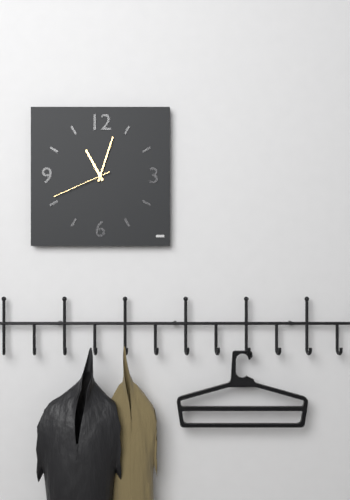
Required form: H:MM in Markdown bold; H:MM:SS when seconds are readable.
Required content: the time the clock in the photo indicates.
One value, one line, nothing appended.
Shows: **11:03:41**
